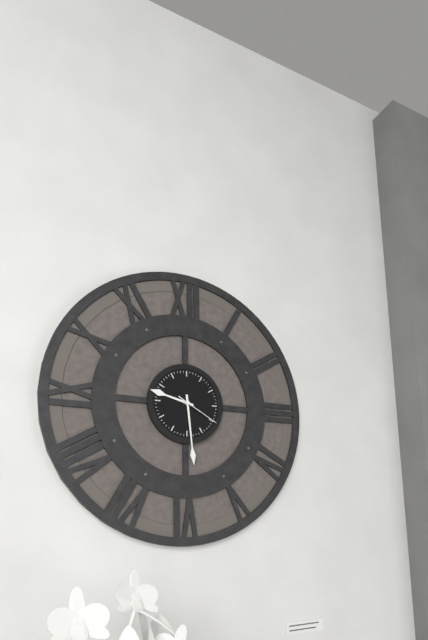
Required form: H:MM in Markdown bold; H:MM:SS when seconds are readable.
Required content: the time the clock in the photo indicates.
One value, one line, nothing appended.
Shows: **9:29**
